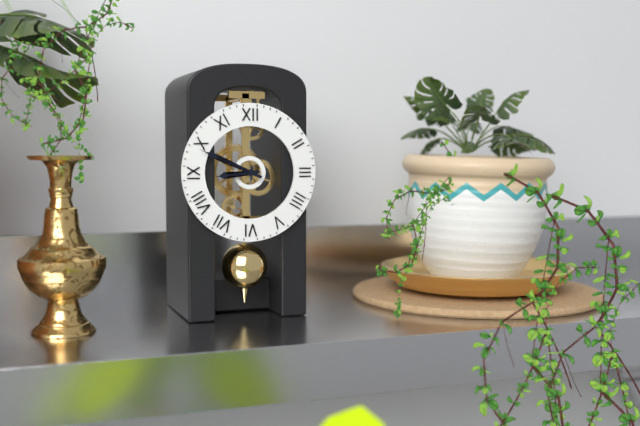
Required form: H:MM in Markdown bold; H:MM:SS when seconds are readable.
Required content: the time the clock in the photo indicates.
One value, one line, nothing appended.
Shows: **8:49**
